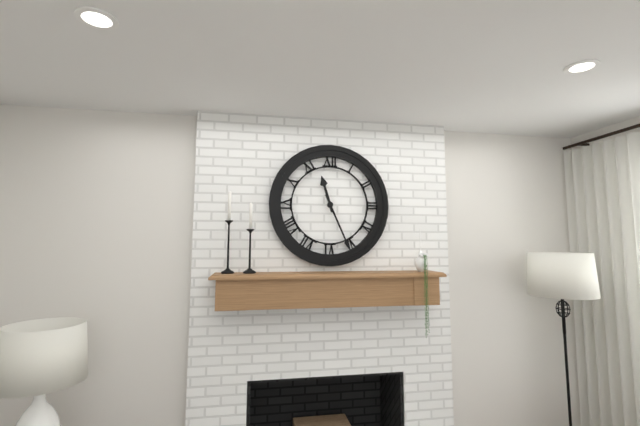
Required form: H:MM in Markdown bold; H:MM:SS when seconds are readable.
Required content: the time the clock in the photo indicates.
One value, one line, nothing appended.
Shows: **11:26**
